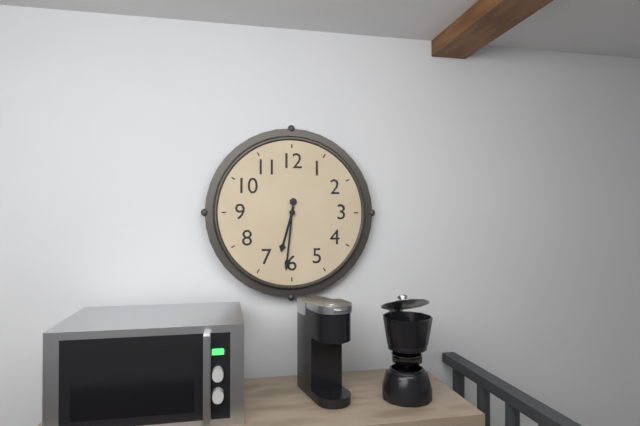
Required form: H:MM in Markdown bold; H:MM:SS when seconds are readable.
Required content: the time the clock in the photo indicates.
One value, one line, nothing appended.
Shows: **6:31**
